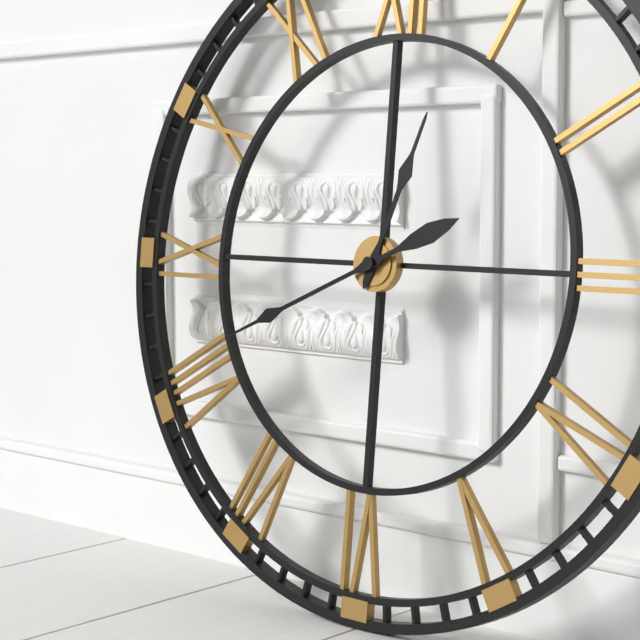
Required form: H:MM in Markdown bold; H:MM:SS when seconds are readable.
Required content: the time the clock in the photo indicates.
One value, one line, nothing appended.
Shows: **12:41**
